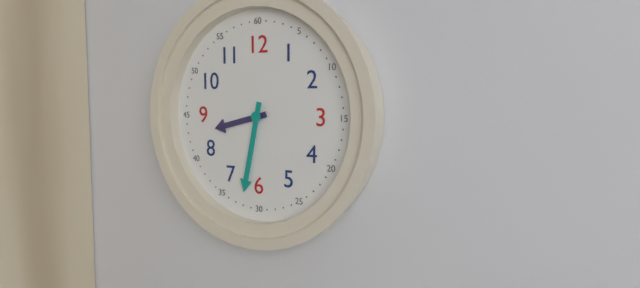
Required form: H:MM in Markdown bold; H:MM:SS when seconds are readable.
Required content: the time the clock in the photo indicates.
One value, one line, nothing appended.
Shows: **8:32**
